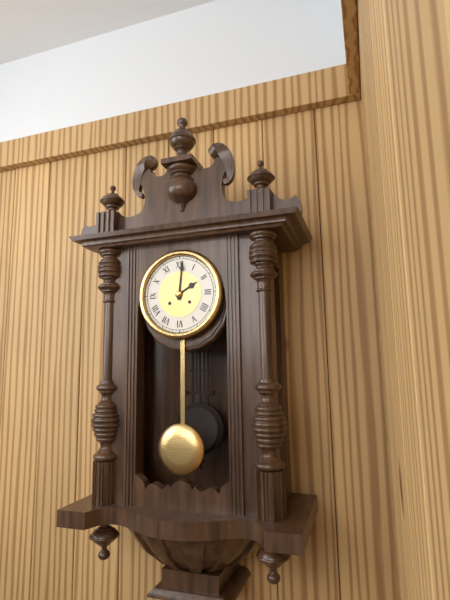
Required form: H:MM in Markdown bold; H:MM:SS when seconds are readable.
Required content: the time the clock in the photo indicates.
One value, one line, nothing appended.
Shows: **2:01**
